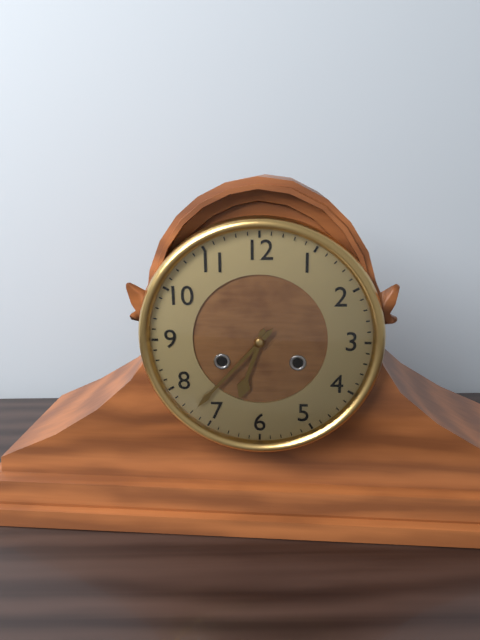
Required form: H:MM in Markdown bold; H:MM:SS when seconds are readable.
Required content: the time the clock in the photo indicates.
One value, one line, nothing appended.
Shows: **6:37**
